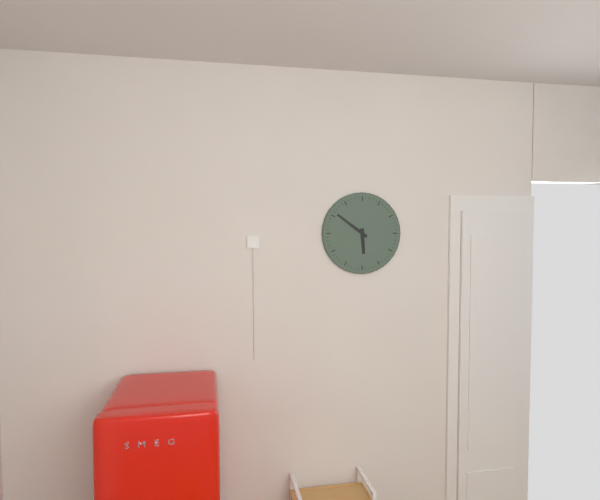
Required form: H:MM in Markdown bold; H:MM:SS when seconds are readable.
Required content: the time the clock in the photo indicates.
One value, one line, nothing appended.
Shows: **5:51**
